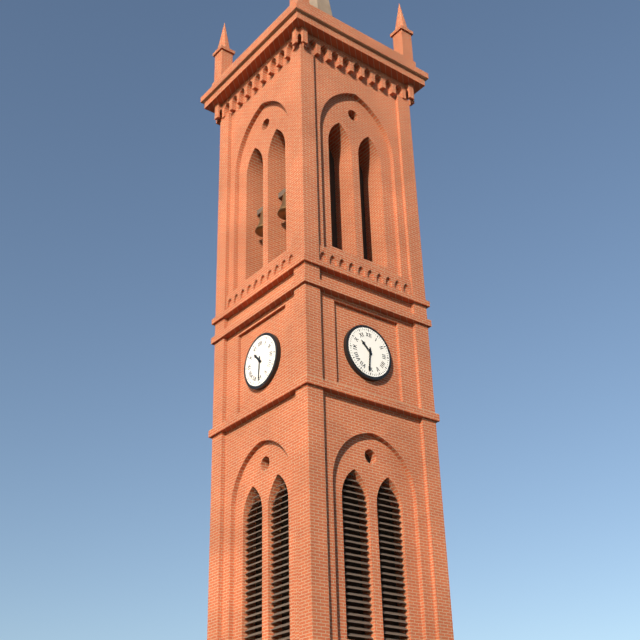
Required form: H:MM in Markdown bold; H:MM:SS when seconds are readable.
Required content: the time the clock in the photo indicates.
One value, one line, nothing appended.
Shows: **10:31**
